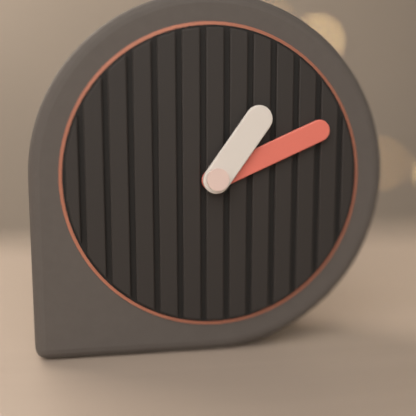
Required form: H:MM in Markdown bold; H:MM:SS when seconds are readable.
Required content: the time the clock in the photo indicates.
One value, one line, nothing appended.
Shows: **1:11**
